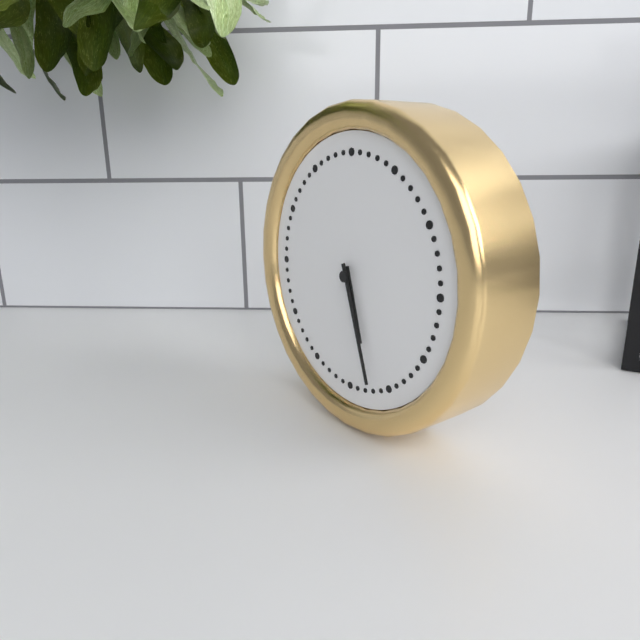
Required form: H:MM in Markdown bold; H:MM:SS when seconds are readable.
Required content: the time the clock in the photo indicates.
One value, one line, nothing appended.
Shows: **5:27**
